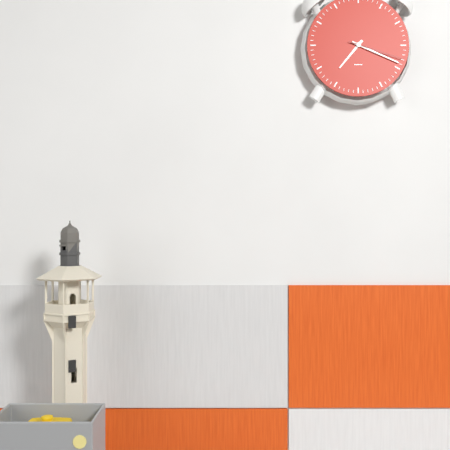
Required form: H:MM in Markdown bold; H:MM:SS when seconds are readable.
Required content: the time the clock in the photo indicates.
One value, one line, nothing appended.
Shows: **7:19:18**
